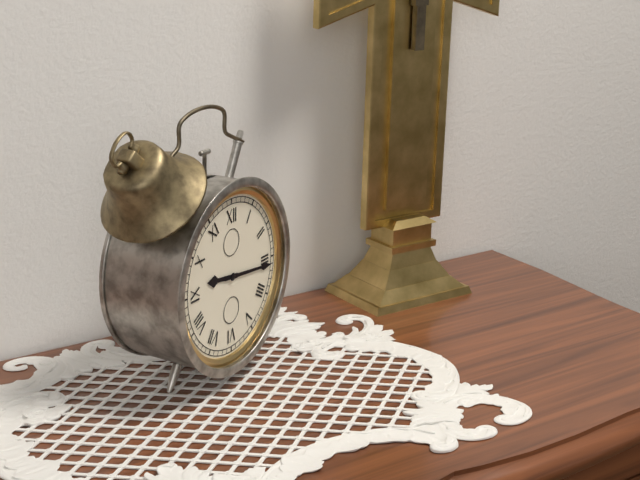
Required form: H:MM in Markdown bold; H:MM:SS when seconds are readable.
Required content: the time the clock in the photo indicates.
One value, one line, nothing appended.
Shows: **9:16**
